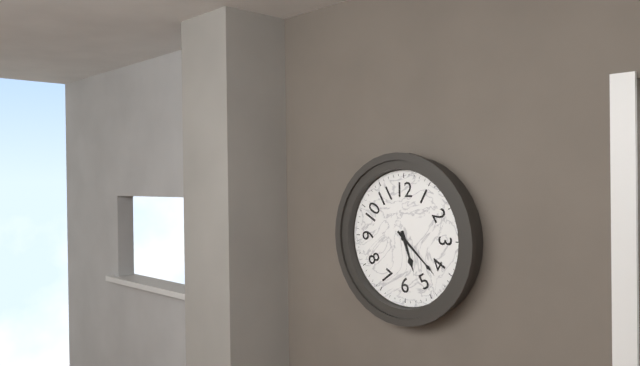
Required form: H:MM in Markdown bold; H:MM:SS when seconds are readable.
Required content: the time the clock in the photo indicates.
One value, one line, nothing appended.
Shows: **5:22**
